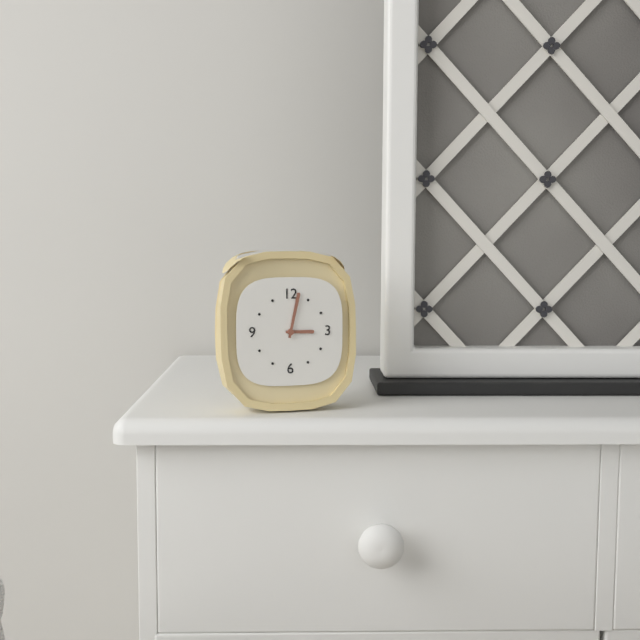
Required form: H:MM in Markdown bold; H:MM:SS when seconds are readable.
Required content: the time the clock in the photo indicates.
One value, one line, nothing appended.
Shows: **3:02**
